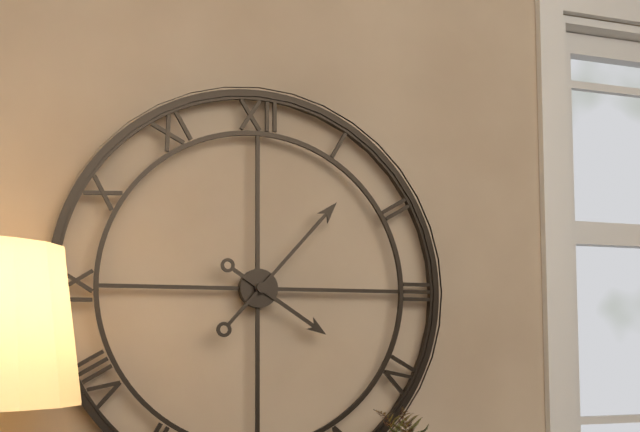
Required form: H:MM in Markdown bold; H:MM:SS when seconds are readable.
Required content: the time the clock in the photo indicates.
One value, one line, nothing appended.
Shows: **4:07**
